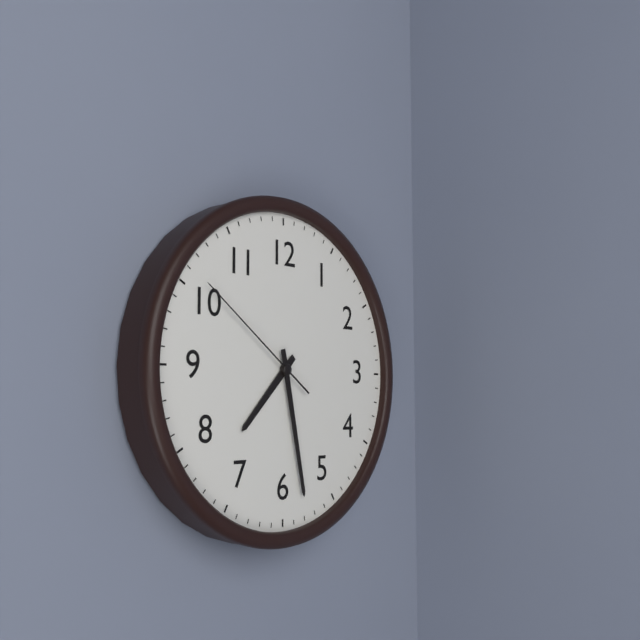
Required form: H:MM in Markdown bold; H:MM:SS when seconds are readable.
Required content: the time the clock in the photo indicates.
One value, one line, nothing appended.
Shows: **7:28:51**
